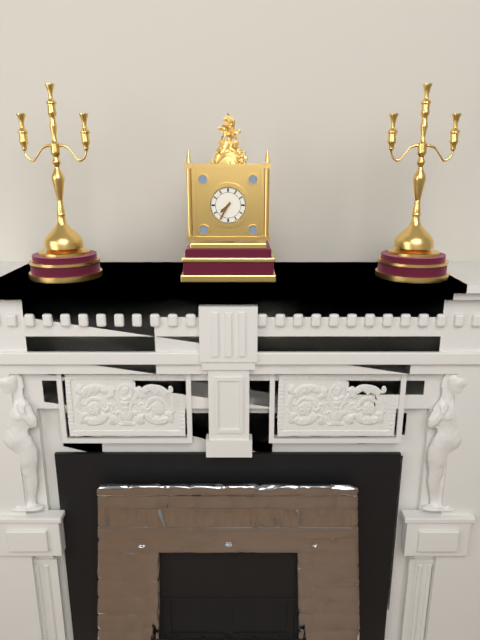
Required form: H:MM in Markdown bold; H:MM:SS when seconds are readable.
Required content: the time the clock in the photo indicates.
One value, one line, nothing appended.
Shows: **7:35**
